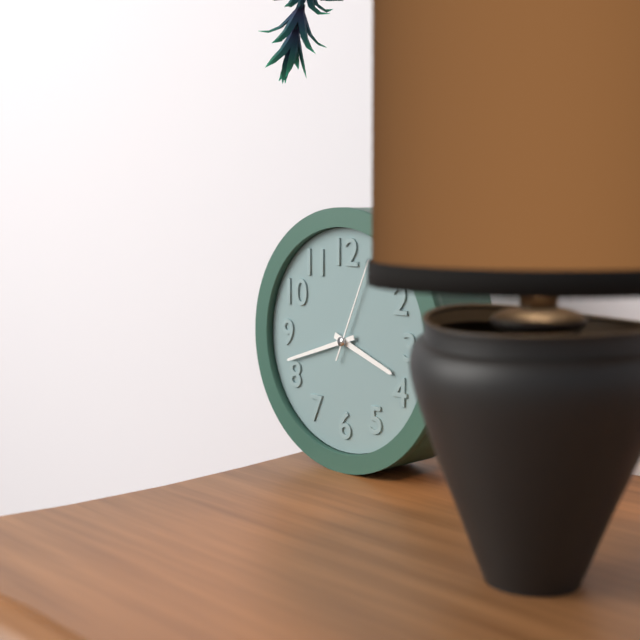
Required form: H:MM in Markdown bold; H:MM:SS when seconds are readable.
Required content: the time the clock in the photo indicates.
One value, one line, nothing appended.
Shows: **3:42:04**
